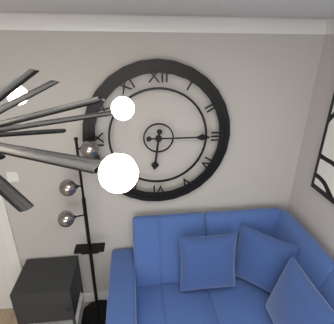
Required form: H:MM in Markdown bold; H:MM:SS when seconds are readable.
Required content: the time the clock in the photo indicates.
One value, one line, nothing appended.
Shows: **6:15**
